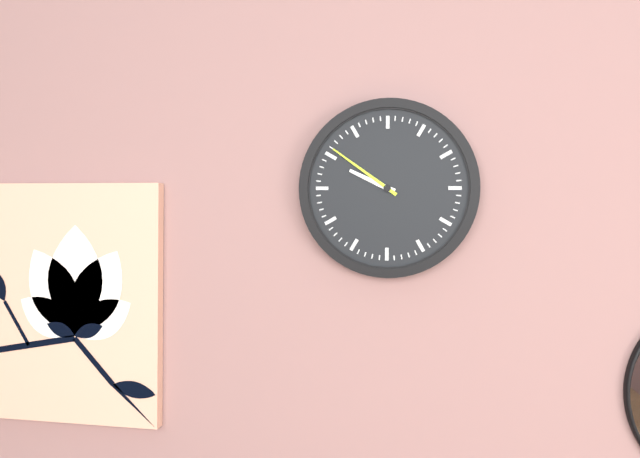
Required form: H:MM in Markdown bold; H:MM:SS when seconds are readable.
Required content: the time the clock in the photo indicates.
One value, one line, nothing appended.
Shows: **9:51**
